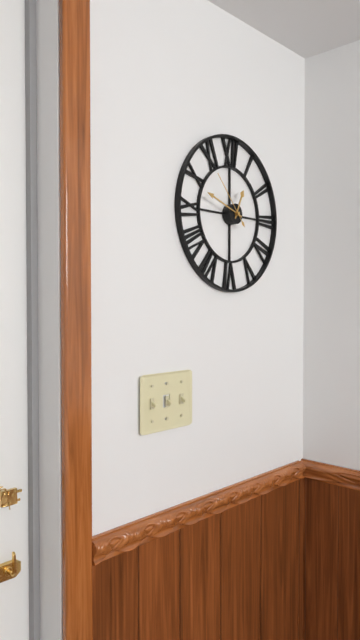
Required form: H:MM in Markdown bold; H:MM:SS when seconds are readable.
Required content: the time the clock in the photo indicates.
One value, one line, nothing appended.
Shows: **12:48:53**
